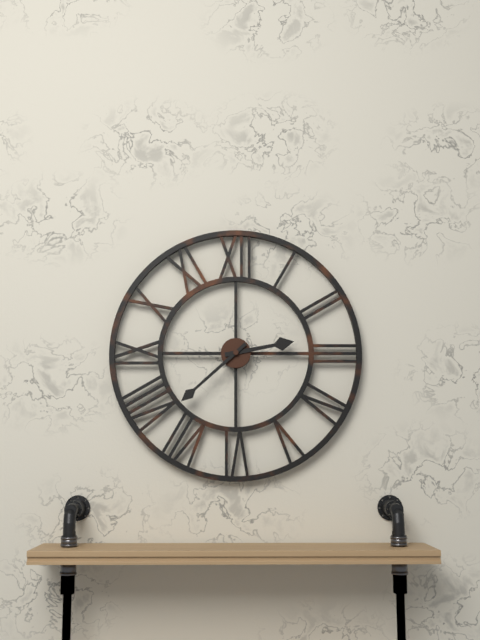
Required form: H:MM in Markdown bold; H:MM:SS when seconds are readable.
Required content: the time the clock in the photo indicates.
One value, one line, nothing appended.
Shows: **2:38**
